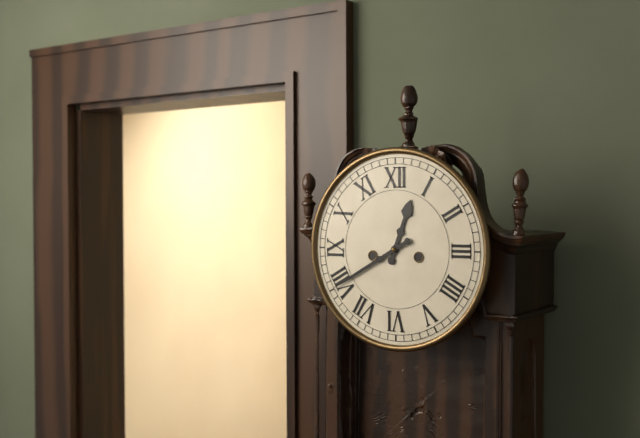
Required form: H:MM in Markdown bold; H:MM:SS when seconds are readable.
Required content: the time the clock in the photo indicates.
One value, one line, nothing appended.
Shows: **12:40**
